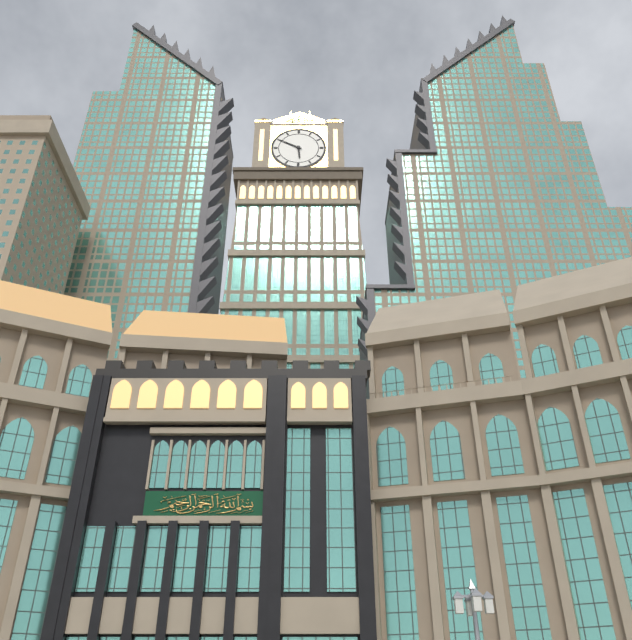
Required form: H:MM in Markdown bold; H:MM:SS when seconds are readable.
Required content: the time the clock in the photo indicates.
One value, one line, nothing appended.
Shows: **5:50**
